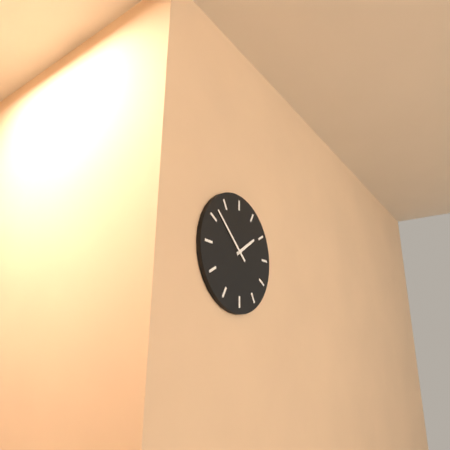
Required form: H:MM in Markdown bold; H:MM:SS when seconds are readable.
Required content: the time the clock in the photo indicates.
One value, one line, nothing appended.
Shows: **1:52**
